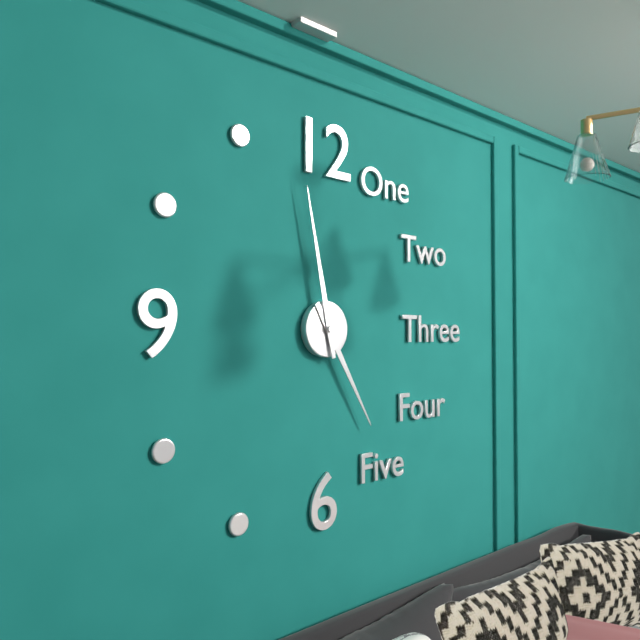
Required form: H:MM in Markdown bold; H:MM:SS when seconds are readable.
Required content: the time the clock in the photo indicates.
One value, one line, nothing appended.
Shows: **4:58**
